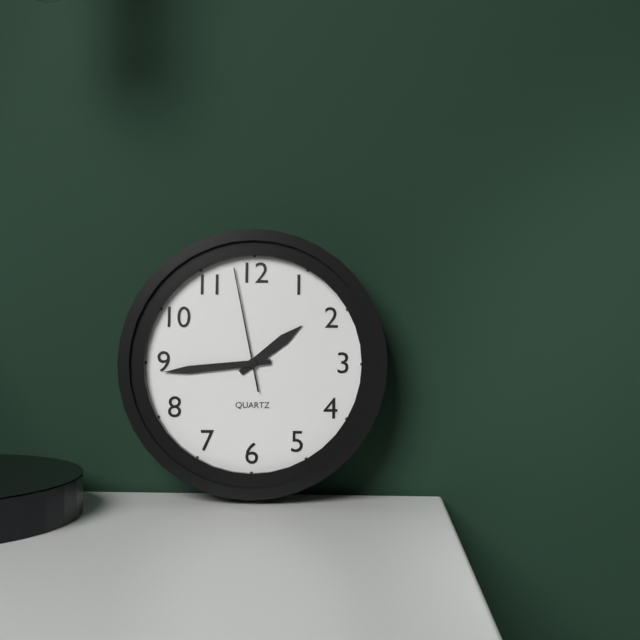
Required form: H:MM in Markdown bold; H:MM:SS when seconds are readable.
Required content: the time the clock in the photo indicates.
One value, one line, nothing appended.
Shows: **1:44:58**
